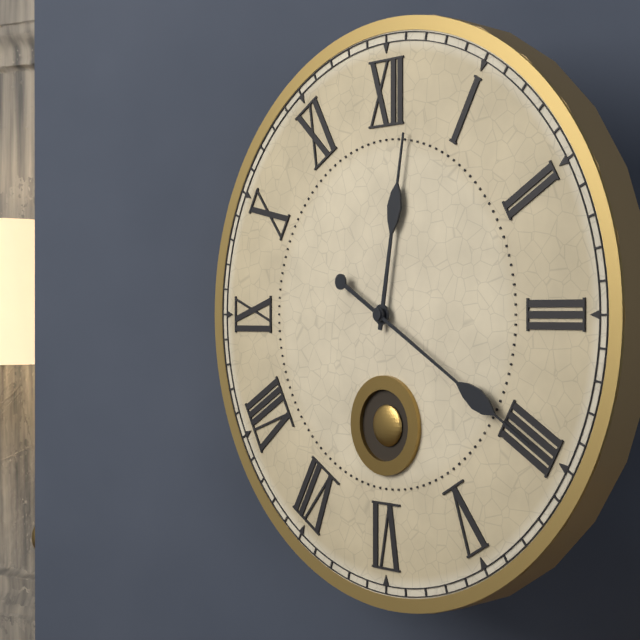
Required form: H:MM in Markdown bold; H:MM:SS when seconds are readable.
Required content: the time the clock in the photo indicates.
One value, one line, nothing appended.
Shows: **12:20**
